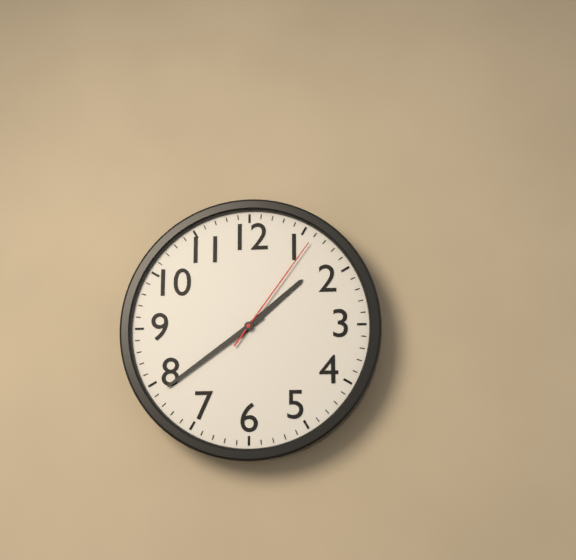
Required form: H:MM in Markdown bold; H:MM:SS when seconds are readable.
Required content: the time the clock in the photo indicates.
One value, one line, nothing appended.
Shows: **1:39:06**
